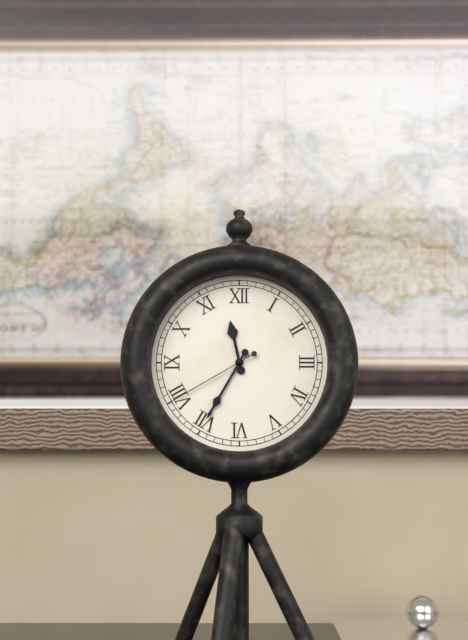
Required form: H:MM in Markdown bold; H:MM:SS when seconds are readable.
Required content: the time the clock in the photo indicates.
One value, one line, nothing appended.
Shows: **11:35:40**
